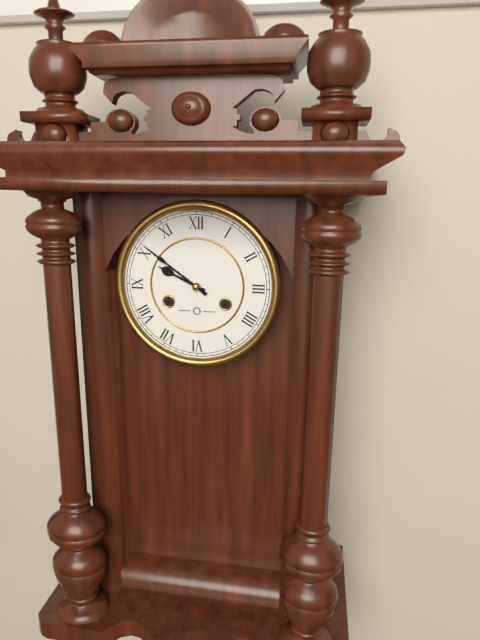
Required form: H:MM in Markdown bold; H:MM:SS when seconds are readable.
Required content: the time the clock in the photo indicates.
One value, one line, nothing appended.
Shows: **9:51**
